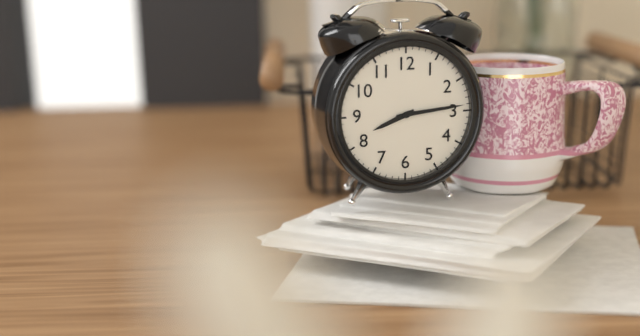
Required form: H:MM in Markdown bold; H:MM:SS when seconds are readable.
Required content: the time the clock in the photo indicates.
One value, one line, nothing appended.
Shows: **8:14**
